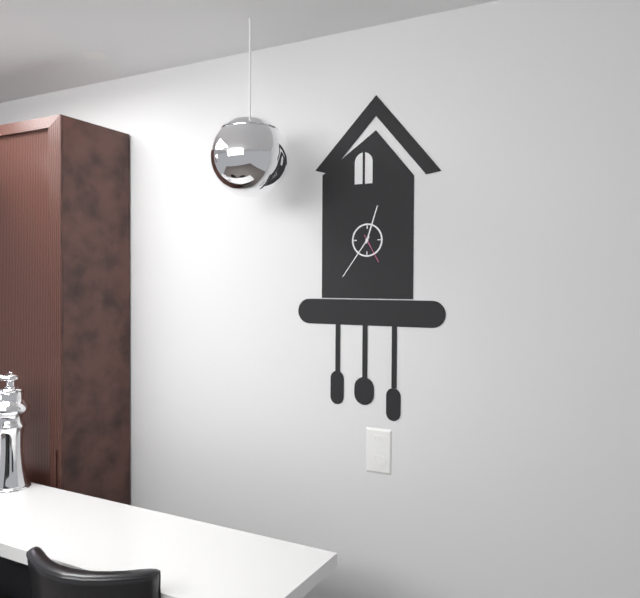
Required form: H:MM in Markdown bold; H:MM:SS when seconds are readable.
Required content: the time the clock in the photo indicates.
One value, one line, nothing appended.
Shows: **12:36**
